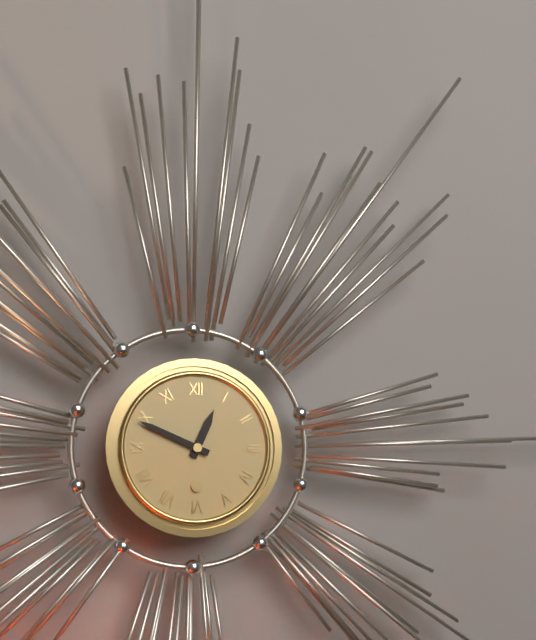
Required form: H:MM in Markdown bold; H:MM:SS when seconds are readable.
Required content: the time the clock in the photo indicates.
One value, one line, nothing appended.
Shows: **12:49**
